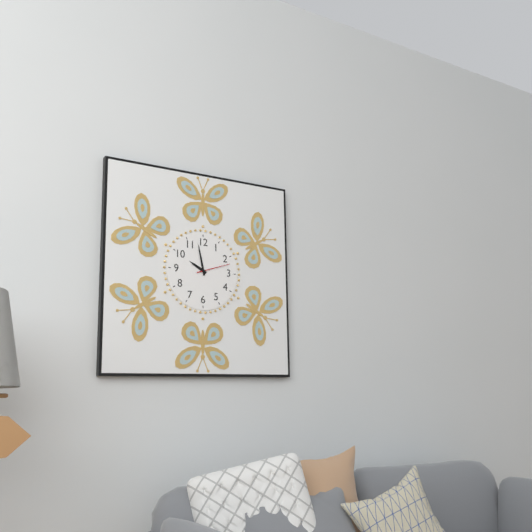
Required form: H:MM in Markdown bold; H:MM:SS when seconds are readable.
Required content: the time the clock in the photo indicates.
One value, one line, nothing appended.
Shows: **9:58**
